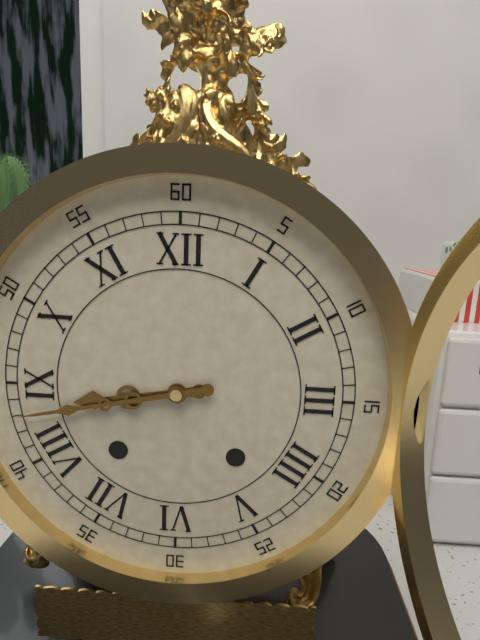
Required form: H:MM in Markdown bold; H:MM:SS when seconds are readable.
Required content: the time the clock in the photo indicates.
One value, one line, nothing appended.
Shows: **8:43**
